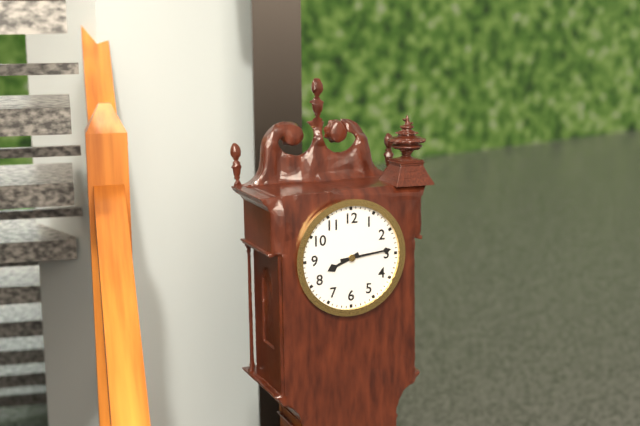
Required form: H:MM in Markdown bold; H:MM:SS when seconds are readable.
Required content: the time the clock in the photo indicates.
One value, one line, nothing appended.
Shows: **8:14**
